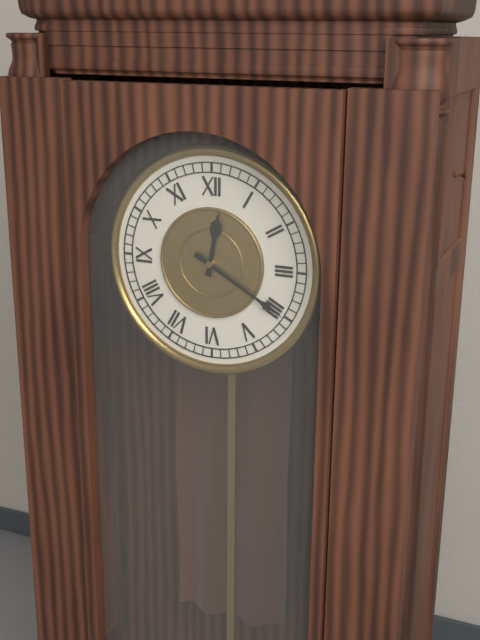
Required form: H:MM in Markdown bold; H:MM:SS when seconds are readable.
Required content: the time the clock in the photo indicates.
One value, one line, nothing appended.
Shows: **12:20**
